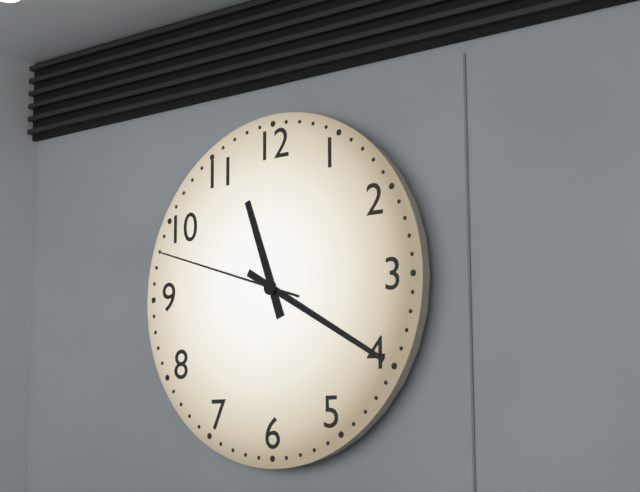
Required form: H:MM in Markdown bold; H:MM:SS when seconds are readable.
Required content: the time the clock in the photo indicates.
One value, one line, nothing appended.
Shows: **11:20:48**
